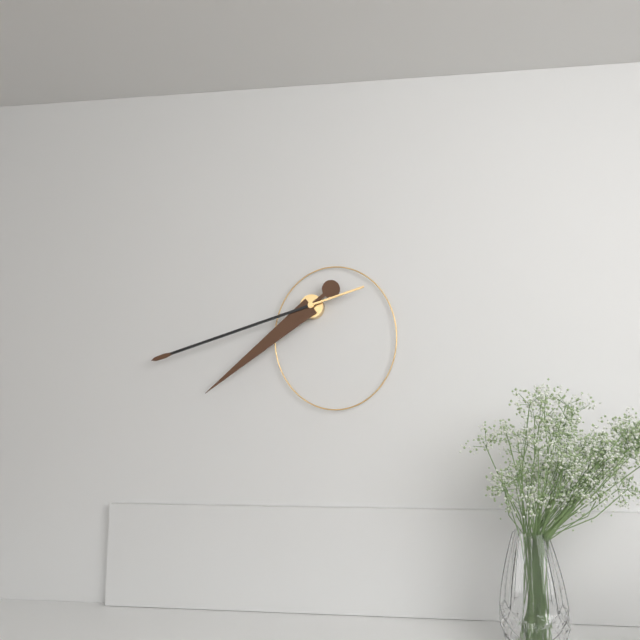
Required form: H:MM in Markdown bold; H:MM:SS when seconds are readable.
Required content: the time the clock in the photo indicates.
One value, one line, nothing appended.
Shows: **7:42**
